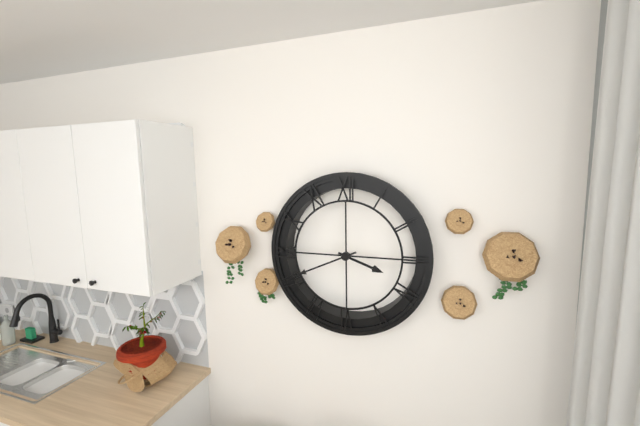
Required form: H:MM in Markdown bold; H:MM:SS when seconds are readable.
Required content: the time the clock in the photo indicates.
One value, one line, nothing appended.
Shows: **3:41**
